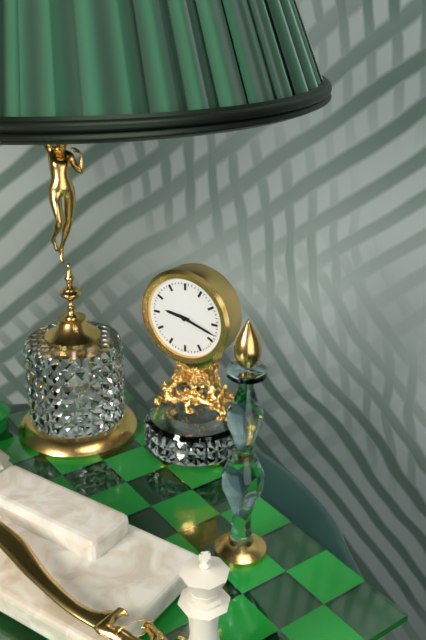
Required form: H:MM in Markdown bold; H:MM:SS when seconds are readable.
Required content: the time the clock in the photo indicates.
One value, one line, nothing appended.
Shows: **9:18**
